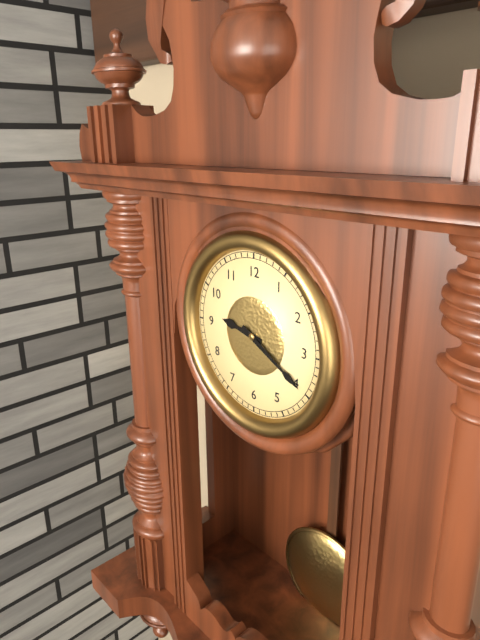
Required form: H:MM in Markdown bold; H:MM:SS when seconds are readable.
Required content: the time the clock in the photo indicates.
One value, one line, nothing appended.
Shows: **9:20**
